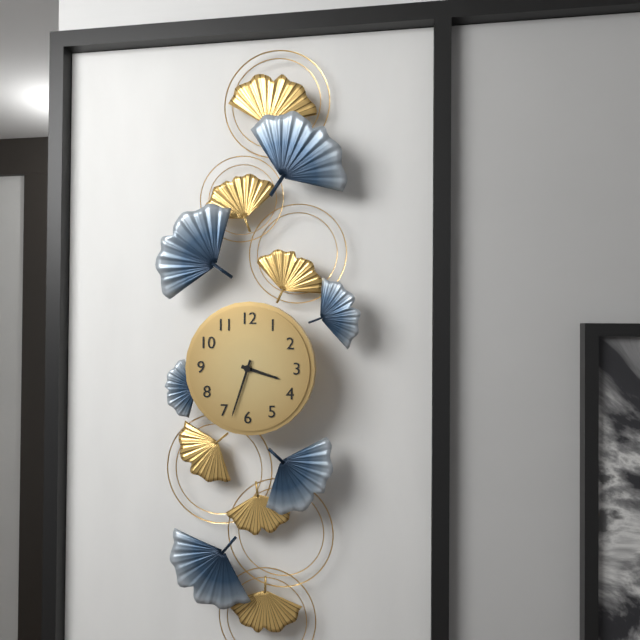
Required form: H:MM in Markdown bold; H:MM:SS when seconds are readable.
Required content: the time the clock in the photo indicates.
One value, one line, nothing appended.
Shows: **3:33**
